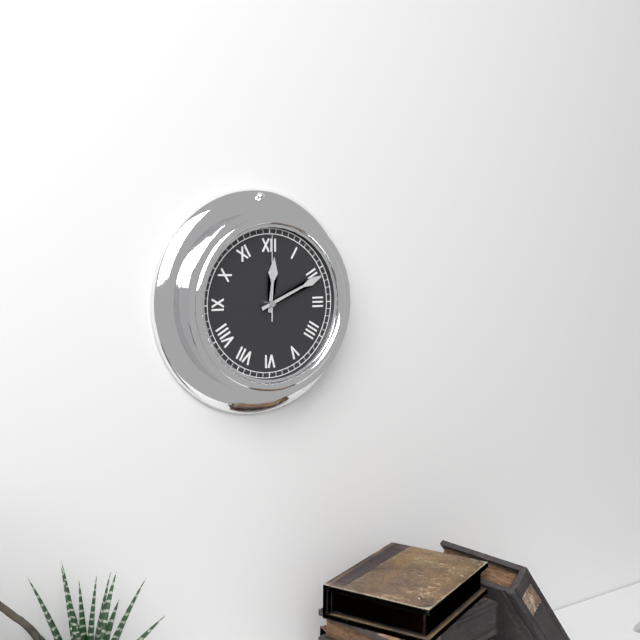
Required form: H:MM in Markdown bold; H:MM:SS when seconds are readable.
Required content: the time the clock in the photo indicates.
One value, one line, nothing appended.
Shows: **12:11:00**
